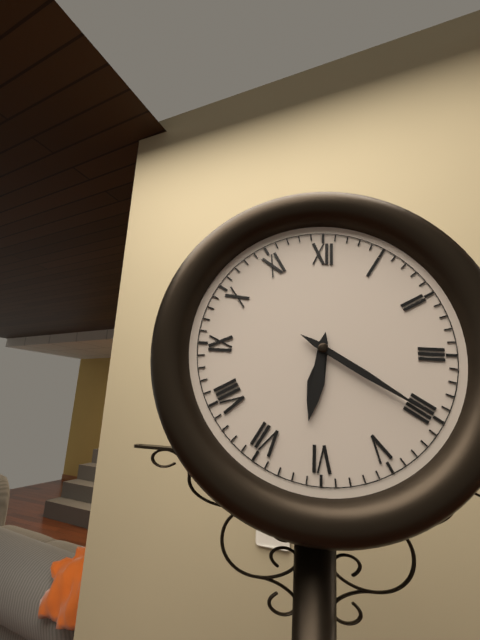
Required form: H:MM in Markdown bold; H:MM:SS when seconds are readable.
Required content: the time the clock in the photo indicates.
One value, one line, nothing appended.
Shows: **6:20**
